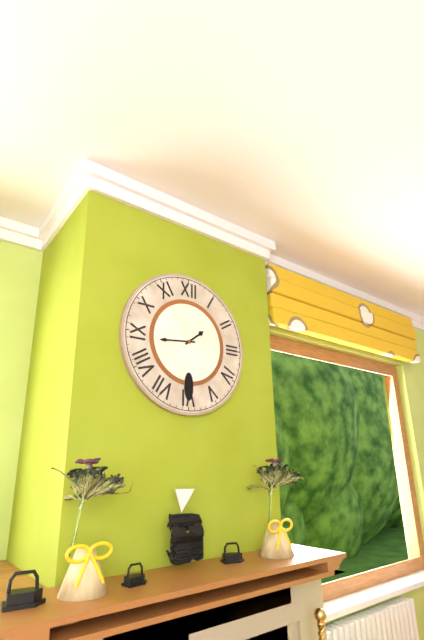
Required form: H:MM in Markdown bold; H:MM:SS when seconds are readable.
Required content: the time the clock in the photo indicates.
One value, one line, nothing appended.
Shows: **1:44**
